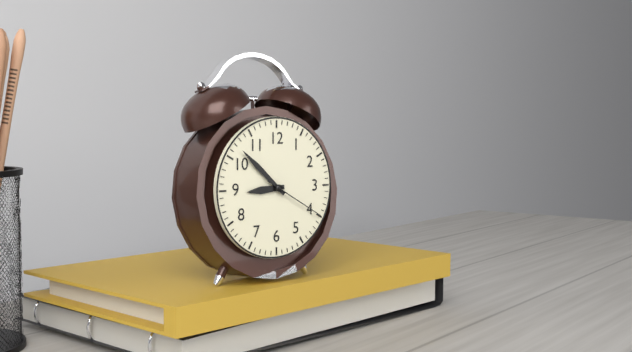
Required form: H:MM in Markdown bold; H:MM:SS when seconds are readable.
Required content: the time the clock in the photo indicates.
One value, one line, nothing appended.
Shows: **8:52:20**
